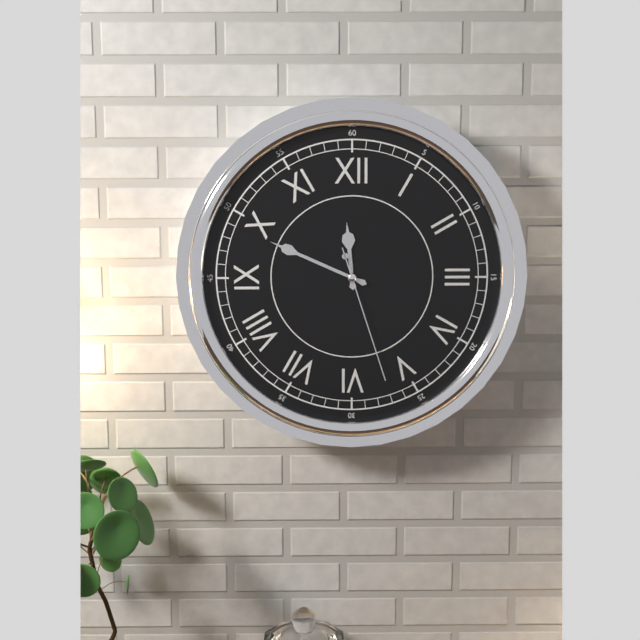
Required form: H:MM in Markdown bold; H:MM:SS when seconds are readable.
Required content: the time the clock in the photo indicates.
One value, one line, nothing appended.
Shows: **11:49:27**
